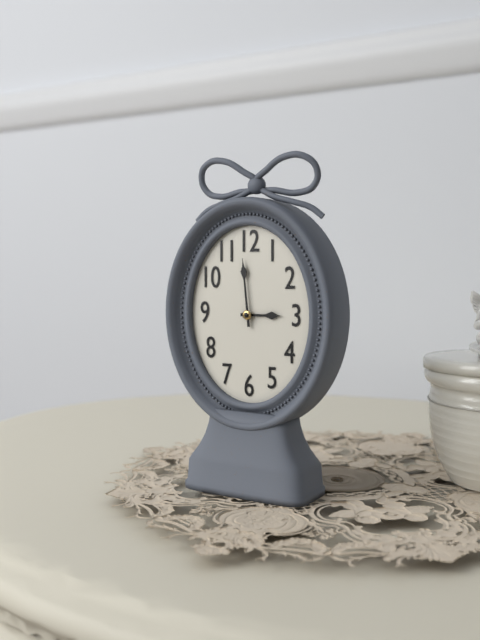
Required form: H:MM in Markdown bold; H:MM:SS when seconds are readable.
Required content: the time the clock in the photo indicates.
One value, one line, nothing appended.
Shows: **2:59**
